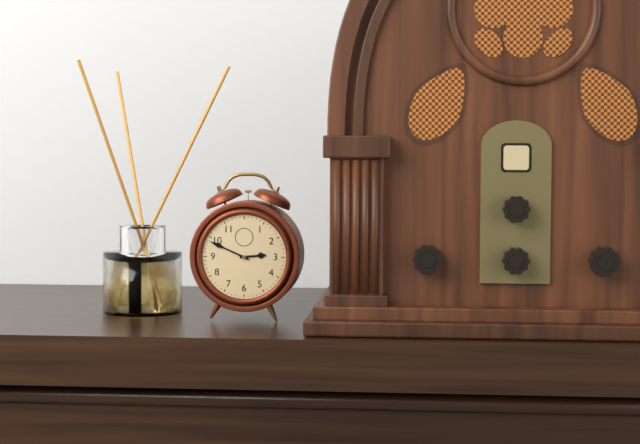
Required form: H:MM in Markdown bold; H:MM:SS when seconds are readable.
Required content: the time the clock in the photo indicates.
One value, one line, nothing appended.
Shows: **2:49**
